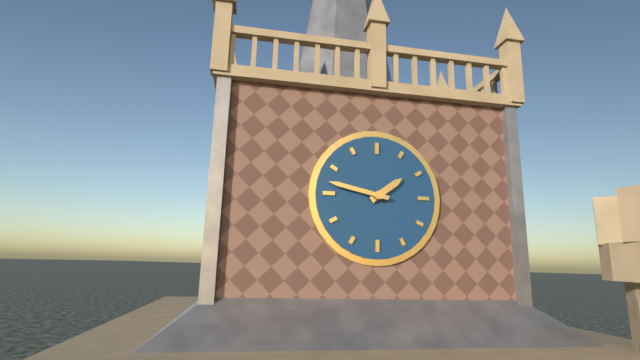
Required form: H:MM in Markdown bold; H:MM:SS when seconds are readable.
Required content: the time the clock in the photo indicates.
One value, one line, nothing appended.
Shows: **1:47**
